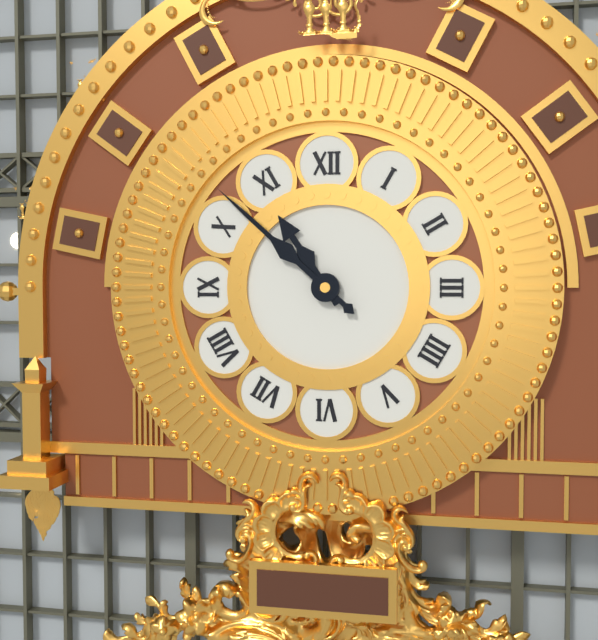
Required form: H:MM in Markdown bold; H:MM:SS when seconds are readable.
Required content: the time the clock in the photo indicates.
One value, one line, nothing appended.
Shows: **10:52**
